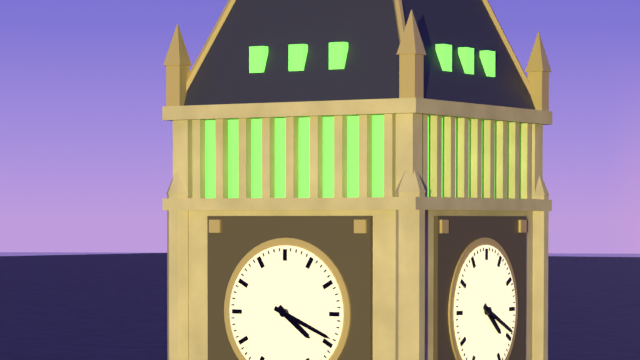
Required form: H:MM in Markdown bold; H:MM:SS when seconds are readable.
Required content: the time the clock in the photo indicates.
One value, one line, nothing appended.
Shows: **4:19**
